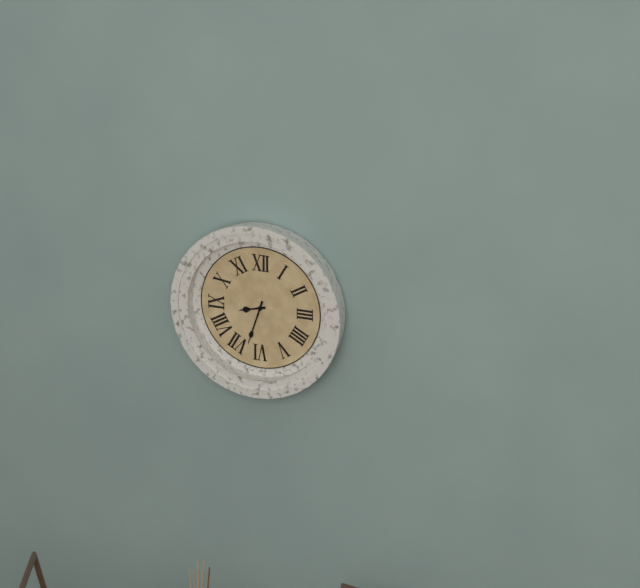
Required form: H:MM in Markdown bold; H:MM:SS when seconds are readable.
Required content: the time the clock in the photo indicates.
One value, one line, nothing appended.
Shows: **8:33**
